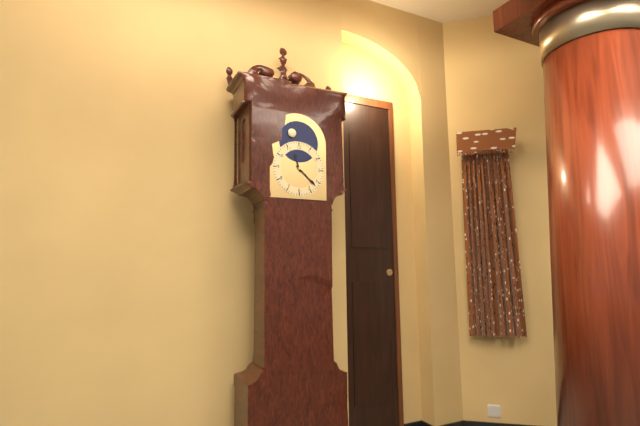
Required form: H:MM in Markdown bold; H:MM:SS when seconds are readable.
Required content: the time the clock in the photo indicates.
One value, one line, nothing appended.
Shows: **11:22**
